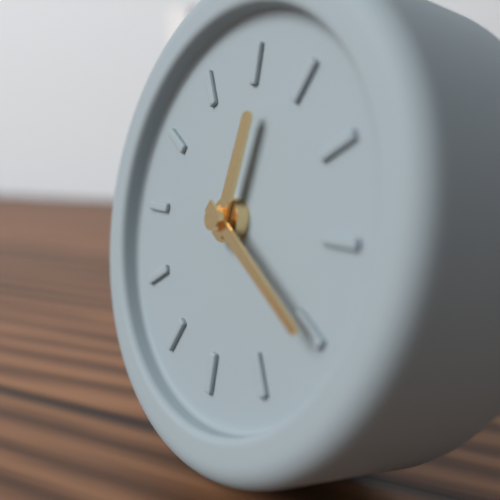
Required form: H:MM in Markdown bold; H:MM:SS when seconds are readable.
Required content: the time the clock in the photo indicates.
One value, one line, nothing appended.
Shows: **12:20**
